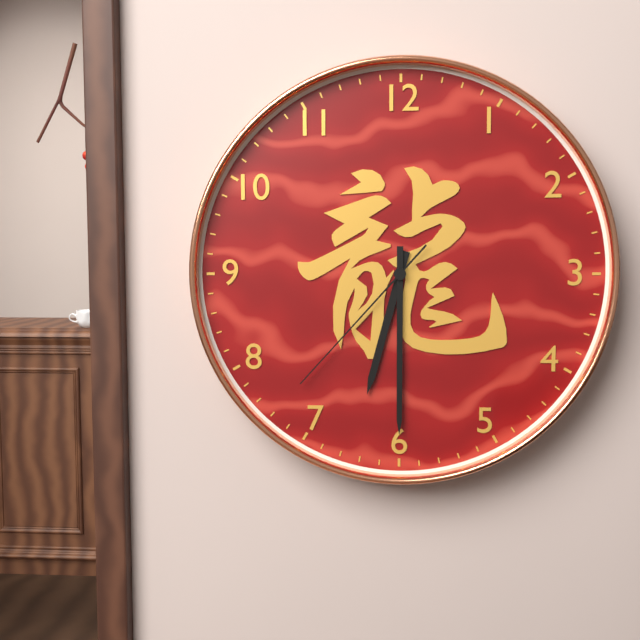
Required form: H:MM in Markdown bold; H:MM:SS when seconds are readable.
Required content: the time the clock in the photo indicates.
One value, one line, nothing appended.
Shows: **6:30:37**
